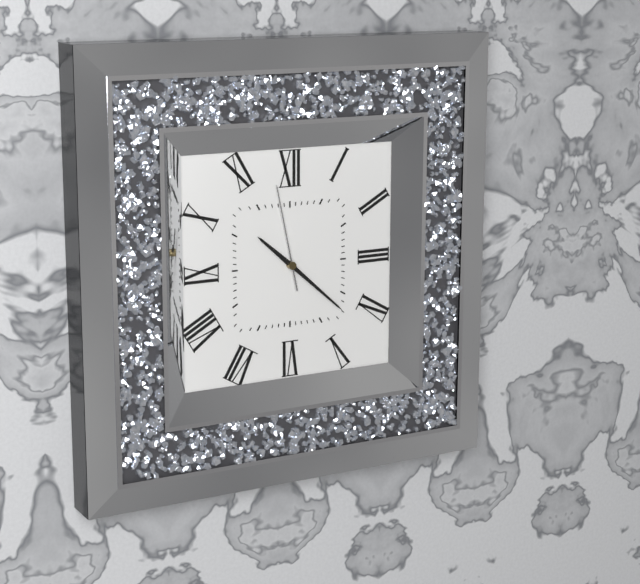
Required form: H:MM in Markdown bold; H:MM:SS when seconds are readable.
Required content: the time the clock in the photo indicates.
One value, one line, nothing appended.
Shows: **10:22:58**
